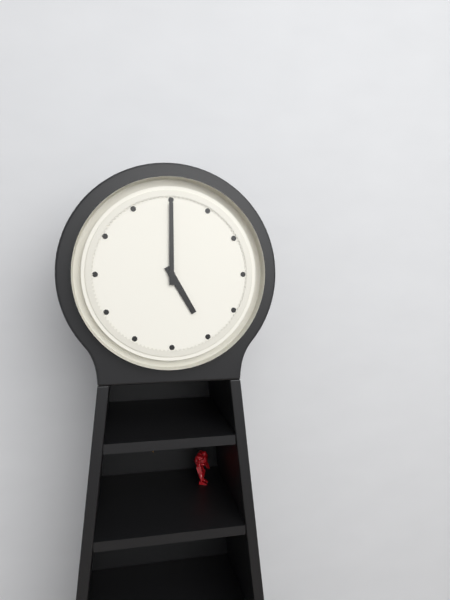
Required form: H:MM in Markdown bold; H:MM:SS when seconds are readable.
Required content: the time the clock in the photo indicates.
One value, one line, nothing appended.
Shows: **5:00**
